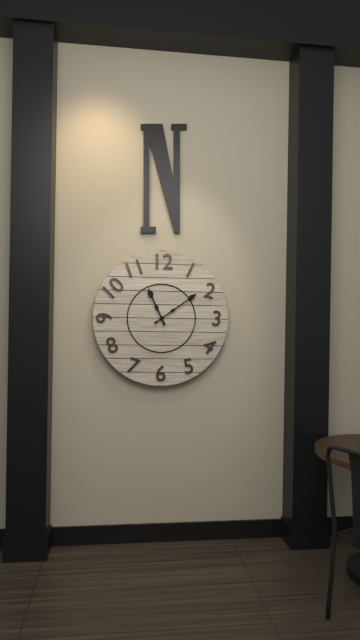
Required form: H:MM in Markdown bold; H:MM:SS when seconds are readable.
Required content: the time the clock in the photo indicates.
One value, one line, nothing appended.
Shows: **11:09**
